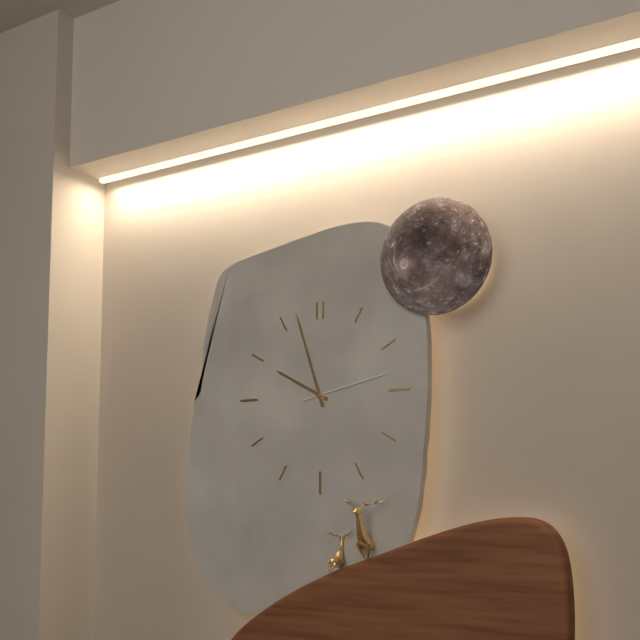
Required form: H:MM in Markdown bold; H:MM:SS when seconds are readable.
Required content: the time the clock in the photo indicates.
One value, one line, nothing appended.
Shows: **9:57:13**
